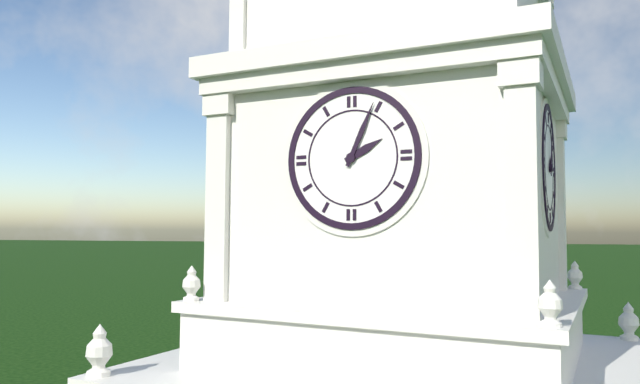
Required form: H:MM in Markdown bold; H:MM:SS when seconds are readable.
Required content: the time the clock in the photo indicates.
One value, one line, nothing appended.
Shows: **2:04**
